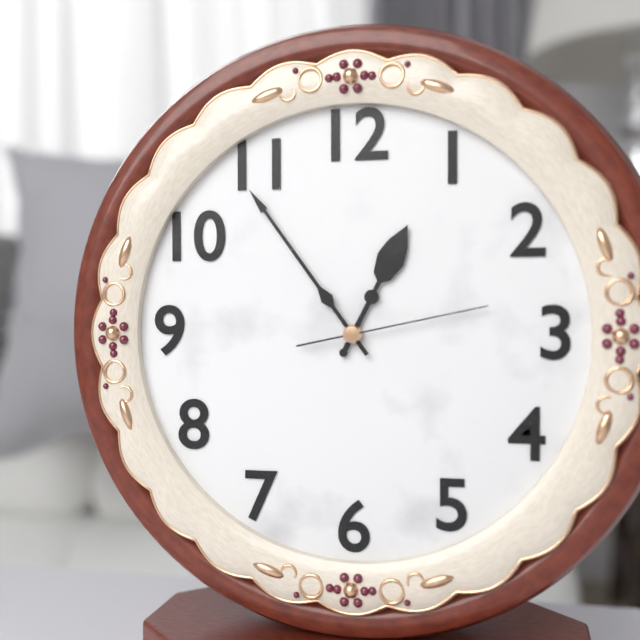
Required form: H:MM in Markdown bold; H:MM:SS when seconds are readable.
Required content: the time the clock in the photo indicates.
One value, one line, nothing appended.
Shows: **12:54:13**
